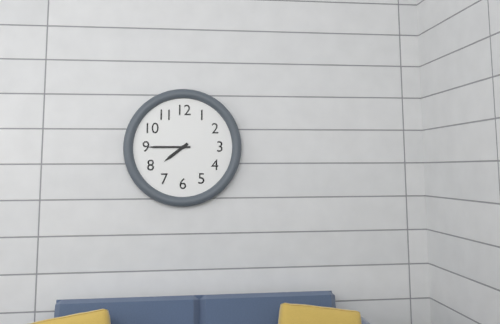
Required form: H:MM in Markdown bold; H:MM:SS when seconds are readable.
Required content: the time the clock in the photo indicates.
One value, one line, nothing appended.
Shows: **7:45**
